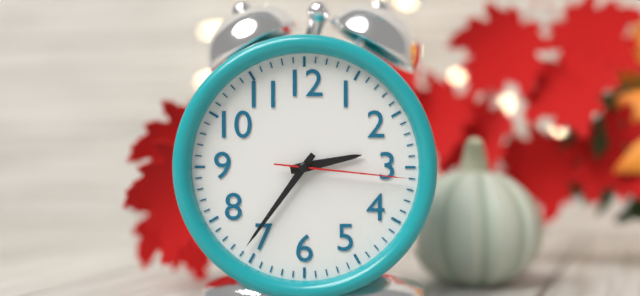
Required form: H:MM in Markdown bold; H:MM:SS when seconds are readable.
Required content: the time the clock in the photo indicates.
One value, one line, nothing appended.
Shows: **2:36:16**
